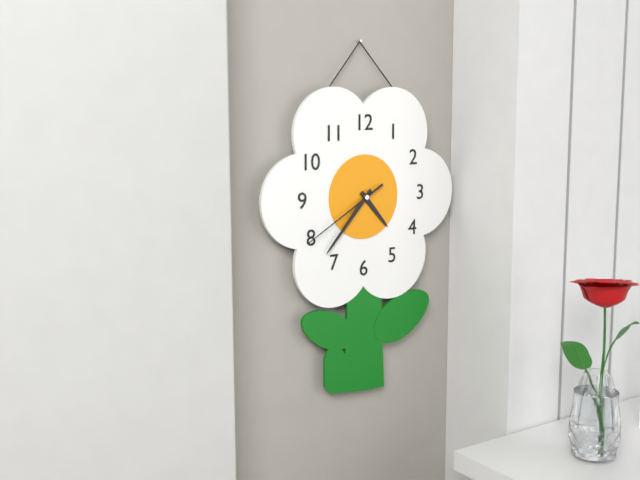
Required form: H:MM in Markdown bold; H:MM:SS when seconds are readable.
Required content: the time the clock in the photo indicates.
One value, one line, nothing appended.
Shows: **4:37:40**
